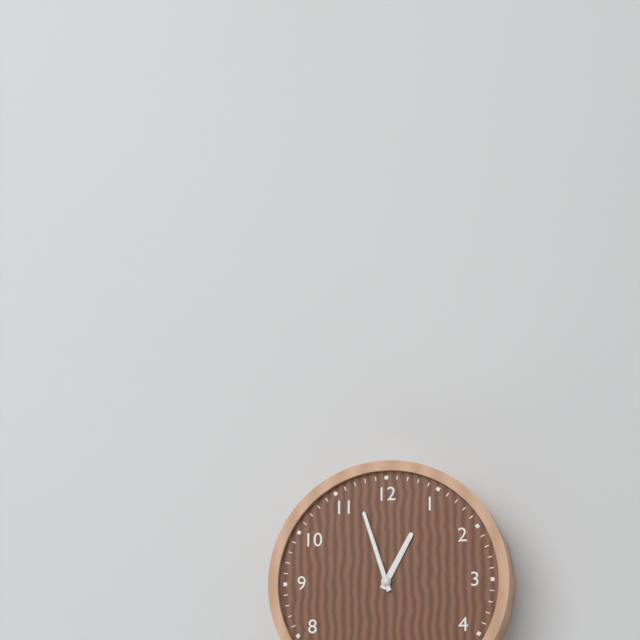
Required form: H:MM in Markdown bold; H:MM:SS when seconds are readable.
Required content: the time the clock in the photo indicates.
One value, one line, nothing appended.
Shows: **12:57**
